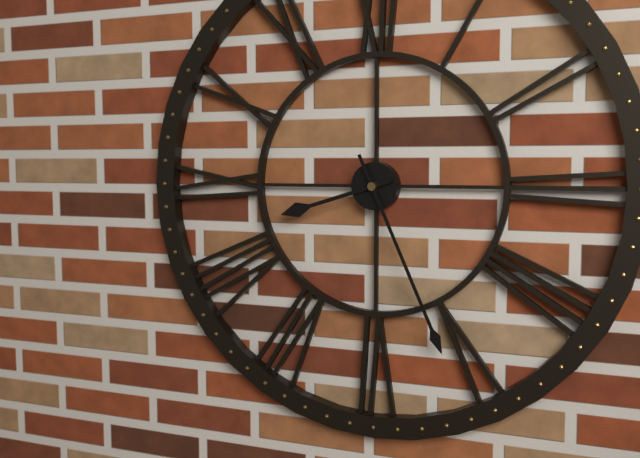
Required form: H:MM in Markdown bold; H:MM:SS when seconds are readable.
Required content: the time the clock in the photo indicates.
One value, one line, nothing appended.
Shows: **8:26**
